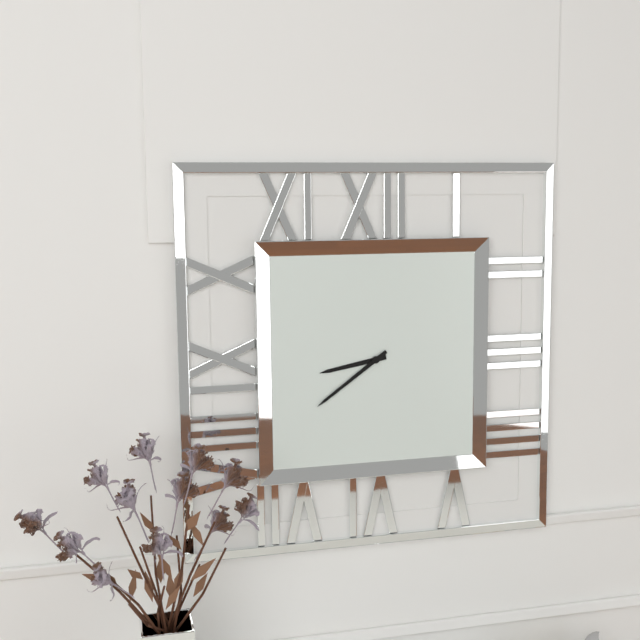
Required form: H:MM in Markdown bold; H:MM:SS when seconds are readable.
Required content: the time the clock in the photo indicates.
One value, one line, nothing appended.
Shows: **8:39**
